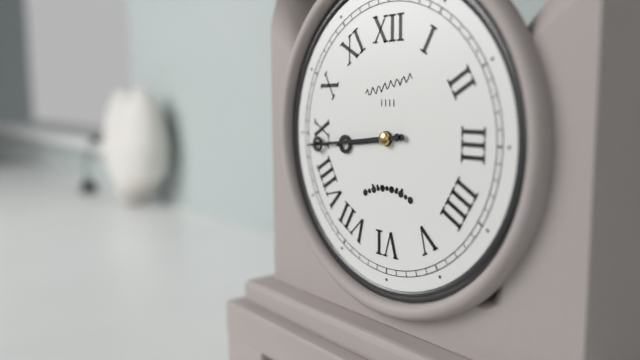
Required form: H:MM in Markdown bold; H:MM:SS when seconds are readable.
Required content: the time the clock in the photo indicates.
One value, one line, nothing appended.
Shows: **8:44**
